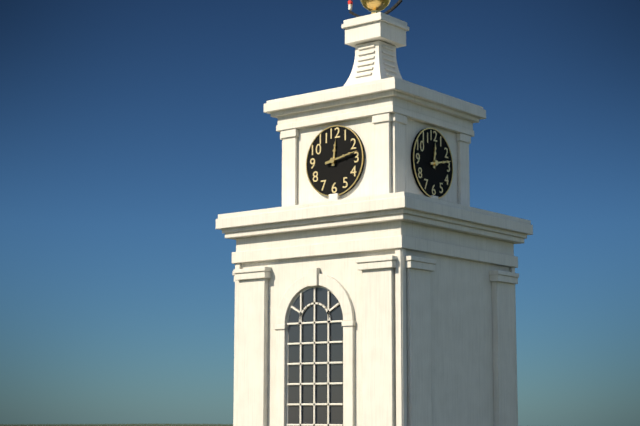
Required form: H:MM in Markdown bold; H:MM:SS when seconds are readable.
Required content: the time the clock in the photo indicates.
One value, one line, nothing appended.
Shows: **12:13**
